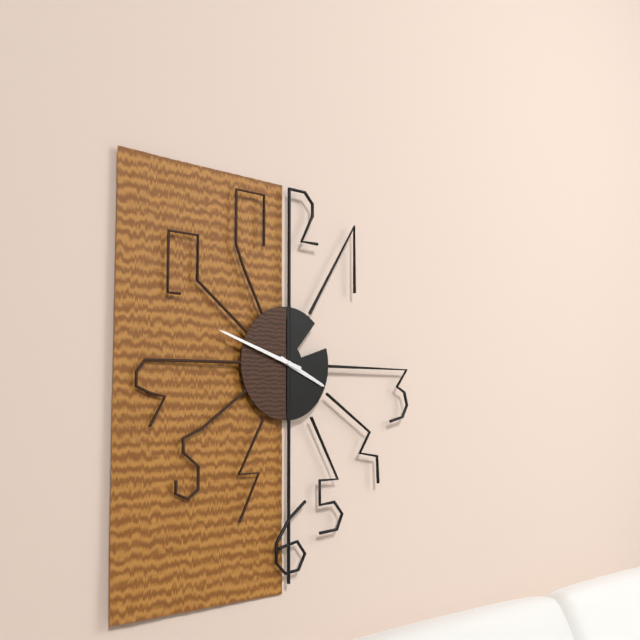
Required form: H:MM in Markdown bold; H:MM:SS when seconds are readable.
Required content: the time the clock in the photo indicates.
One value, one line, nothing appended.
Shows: **3:48**
